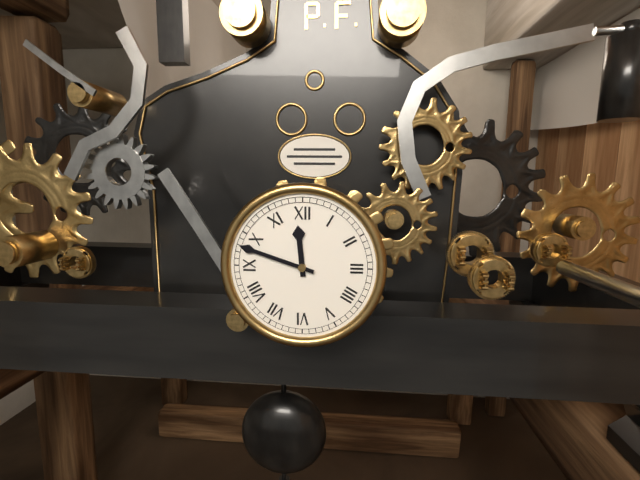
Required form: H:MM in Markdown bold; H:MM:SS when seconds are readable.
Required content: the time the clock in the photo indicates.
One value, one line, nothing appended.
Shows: **11:48**
